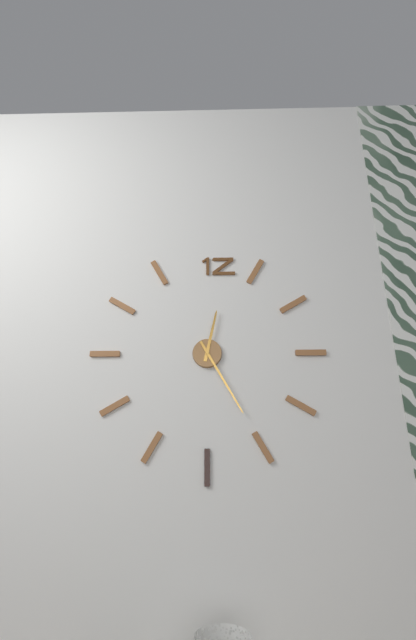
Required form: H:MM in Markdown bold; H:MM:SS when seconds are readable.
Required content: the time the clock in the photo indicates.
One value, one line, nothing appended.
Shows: **12:25**
